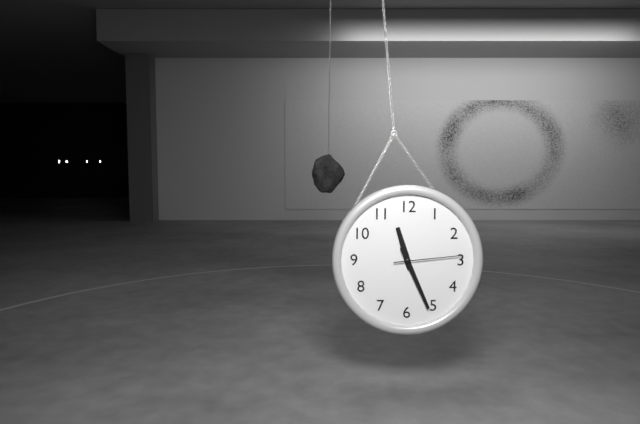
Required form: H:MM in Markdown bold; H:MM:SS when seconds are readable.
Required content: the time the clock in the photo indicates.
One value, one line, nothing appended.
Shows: **11:26:14**
